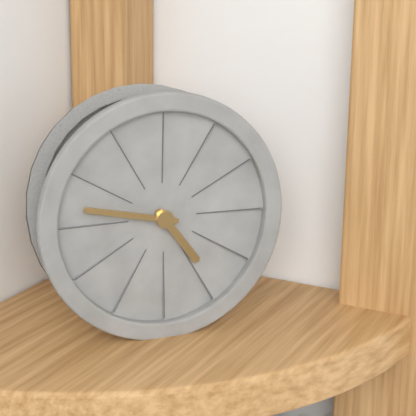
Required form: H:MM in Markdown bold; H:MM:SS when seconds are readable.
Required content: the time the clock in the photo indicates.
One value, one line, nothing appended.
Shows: **4:47**
